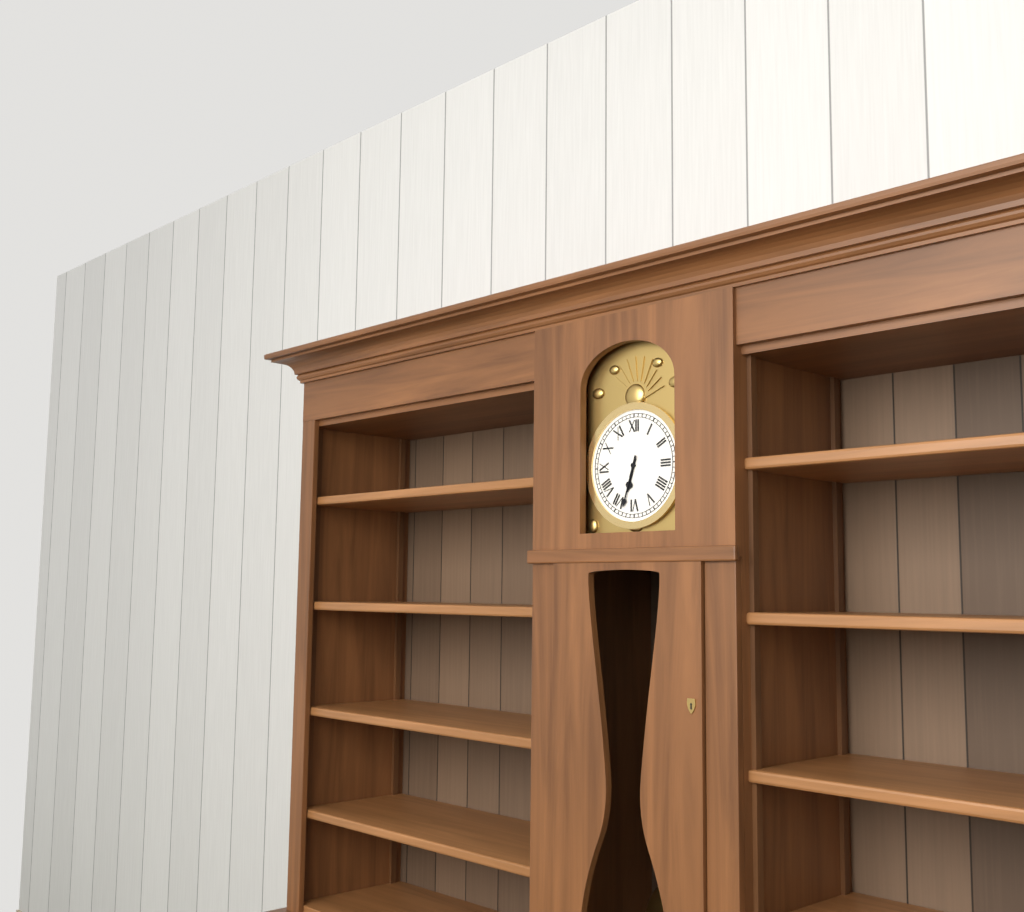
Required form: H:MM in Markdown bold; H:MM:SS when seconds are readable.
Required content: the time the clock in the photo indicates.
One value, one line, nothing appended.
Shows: **6:33**
